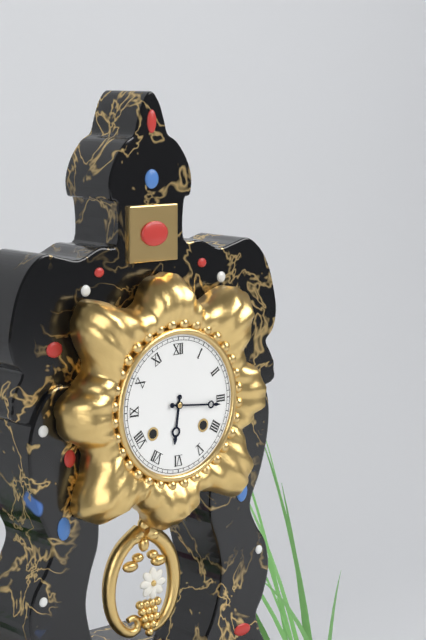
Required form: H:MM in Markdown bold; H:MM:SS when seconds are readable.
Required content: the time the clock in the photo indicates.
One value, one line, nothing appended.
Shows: **6:16**
